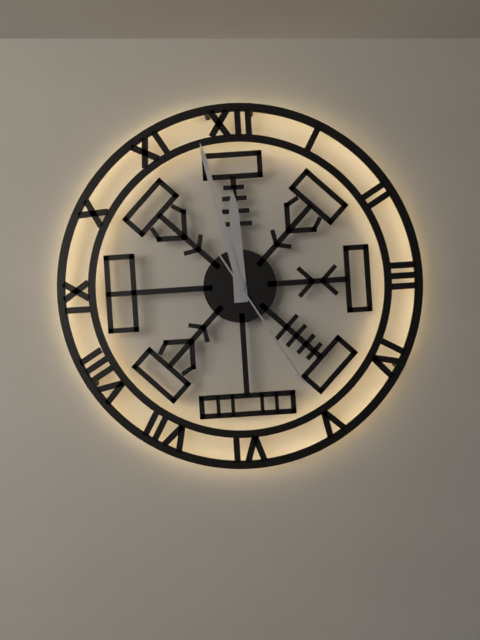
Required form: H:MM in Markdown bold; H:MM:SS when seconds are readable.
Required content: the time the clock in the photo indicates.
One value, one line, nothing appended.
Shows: **11:58:25**
